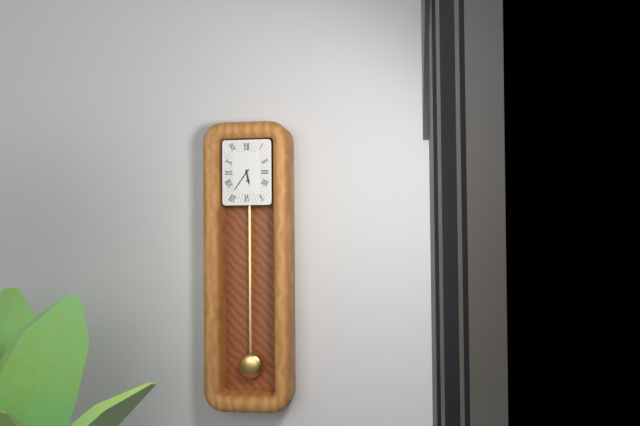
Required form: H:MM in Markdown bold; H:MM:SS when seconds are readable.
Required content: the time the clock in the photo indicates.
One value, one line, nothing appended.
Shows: **5:36**
